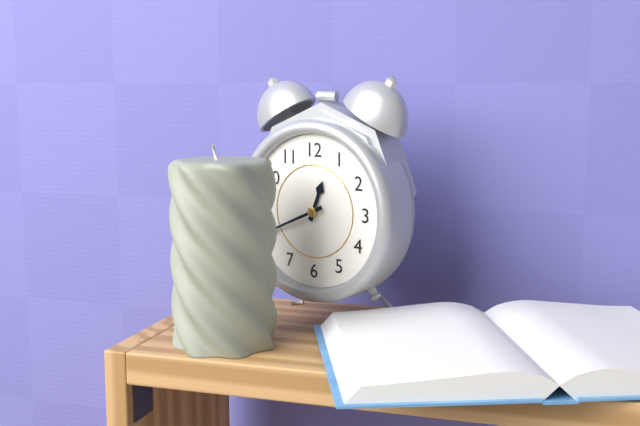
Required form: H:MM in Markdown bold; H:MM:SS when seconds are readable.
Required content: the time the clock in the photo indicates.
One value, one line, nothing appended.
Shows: **12:41**
